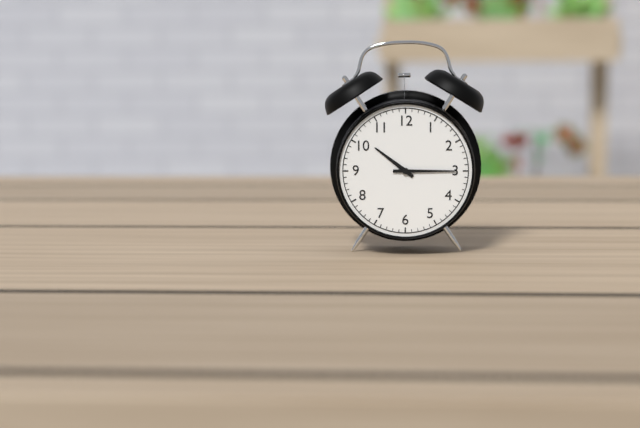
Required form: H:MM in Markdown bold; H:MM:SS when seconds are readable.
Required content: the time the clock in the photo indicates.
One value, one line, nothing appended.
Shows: **10:15**
